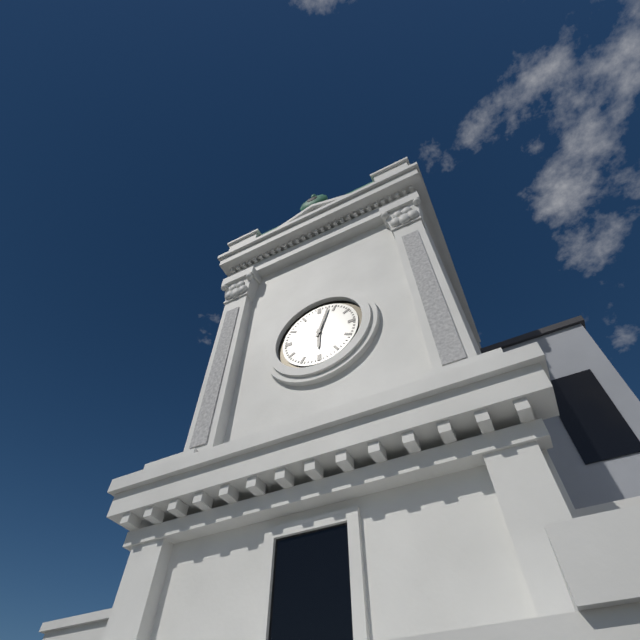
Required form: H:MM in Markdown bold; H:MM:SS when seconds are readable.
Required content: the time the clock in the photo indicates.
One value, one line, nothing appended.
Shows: **6:03**
